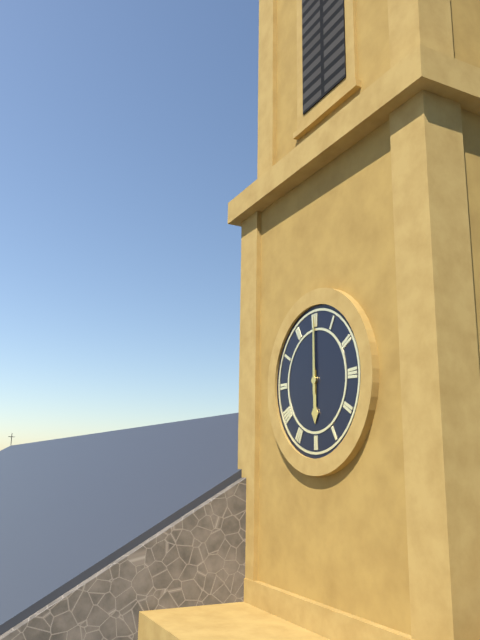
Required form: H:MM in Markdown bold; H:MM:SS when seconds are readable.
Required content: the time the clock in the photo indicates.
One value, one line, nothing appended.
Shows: **6:00**
